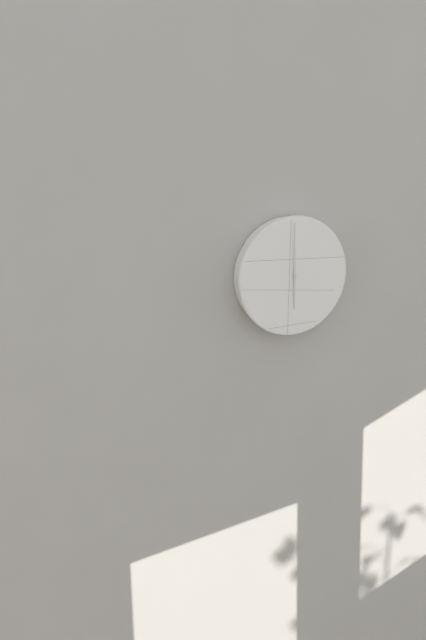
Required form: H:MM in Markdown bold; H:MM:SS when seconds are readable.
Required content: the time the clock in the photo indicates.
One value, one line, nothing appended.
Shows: **6:00**
